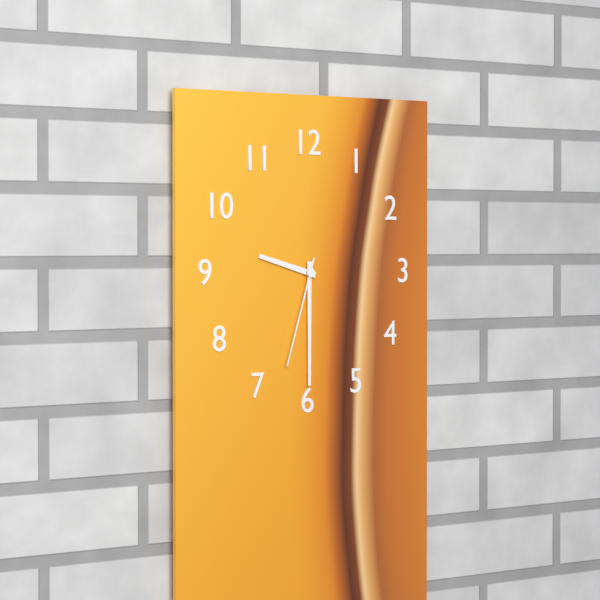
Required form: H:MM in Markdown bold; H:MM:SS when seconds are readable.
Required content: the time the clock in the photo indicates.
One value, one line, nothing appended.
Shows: **9:30:33**
